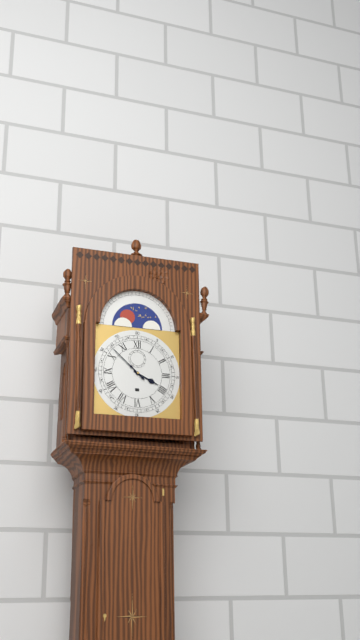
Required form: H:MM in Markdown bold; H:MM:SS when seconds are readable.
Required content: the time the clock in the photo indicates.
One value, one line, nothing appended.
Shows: **3:52**
